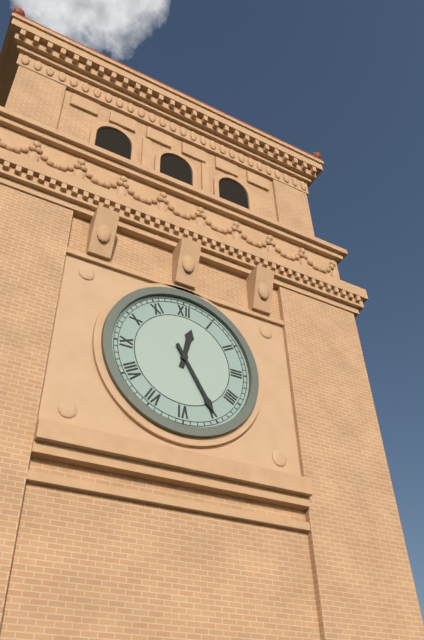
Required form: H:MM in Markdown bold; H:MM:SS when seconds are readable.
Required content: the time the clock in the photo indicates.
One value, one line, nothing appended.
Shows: **12:25**
